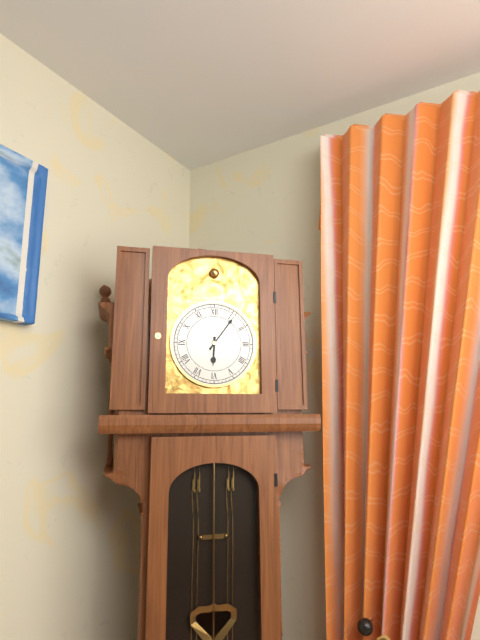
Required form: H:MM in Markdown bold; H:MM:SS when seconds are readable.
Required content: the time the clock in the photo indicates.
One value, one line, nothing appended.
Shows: **6:06**
